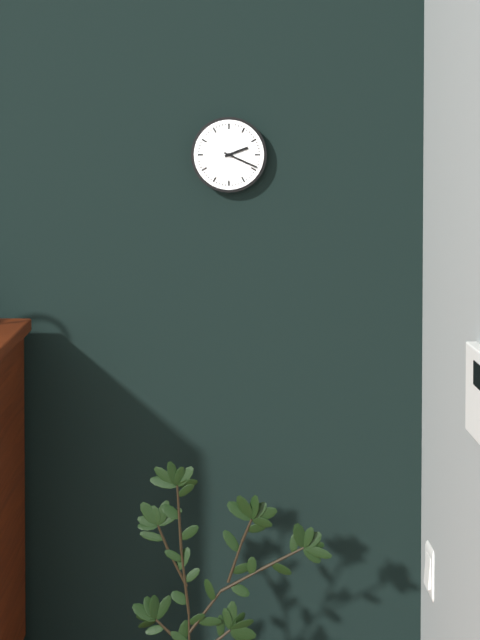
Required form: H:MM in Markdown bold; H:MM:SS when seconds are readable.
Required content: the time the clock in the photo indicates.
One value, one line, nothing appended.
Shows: **2:19**
